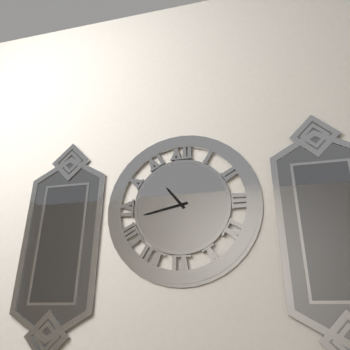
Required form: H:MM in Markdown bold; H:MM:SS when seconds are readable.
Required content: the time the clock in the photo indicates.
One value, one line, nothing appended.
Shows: **10:43**
